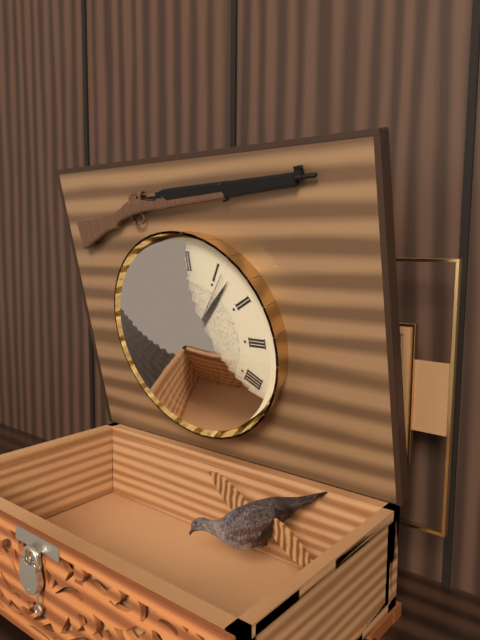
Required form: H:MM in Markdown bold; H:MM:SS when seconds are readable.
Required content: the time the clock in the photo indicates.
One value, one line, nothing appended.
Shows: **6:07:06**
